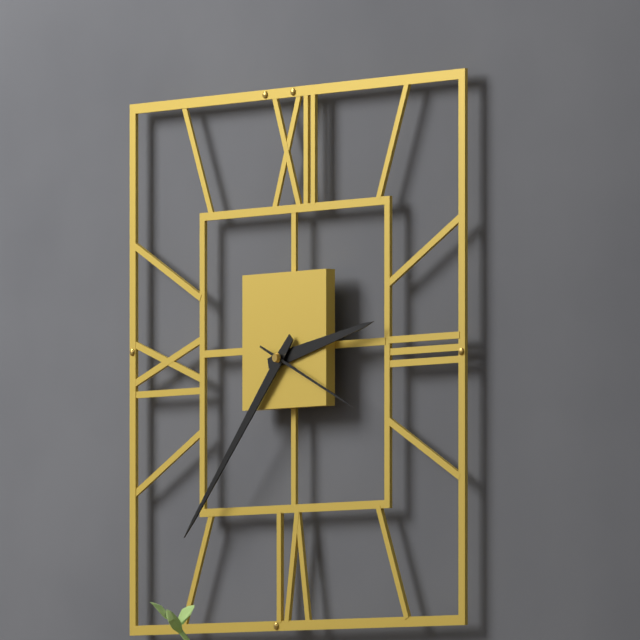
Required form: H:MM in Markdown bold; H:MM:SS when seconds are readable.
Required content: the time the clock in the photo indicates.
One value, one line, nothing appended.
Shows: **2:37:19**
